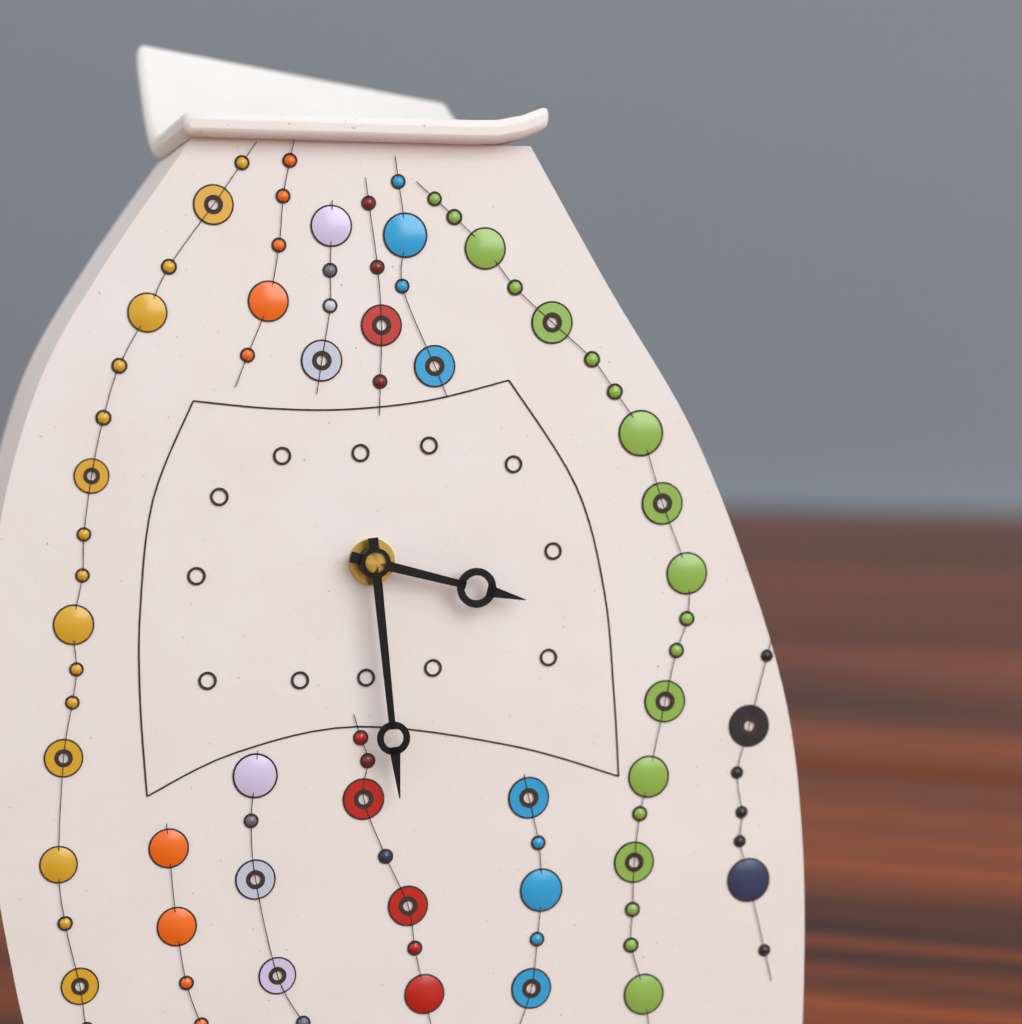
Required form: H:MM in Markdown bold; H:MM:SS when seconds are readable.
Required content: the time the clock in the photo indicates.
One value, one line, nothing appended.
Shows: **3:29**
